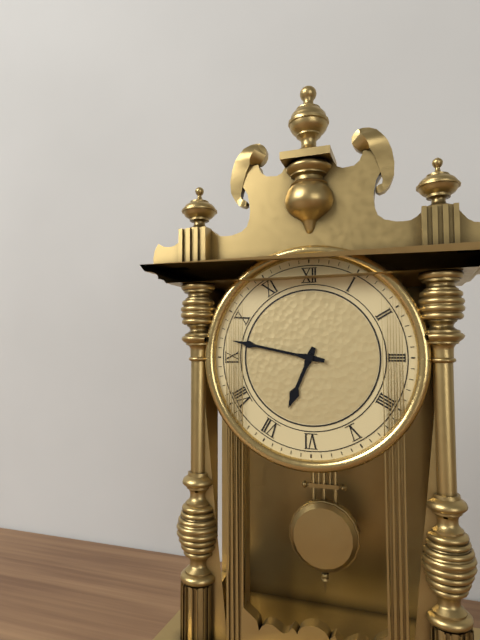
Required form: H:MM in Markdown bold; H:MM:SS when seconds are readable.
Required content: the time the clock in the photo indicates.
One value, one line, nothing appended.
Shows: **6:47**
